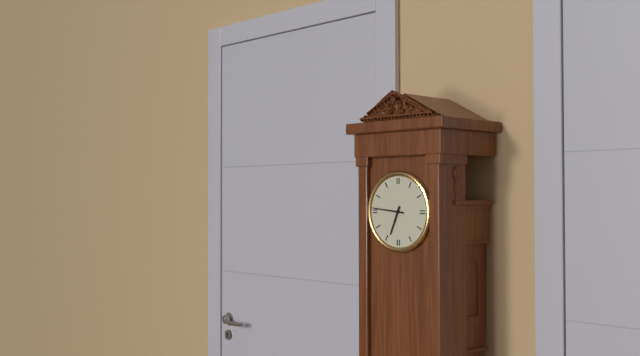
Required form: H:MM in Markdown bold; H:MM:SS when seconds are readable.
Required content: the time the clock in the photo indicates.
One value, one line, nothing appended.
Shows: **6:46**
